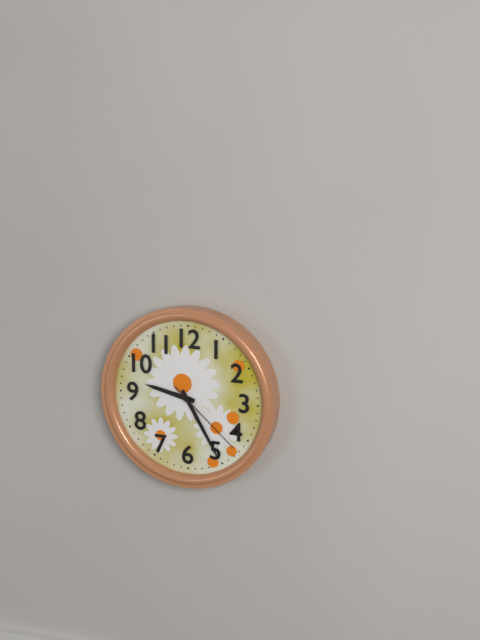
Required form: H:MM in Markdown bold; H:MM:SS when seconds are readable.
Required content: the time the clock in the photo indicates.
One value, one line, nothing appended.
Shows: **9:25:22**
